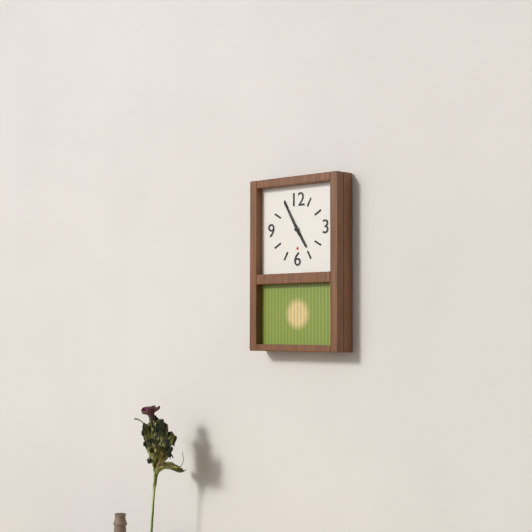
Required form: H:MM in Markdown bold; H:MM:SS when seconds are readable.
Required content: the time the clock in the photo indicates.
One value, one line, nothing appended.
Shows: **4:55**
